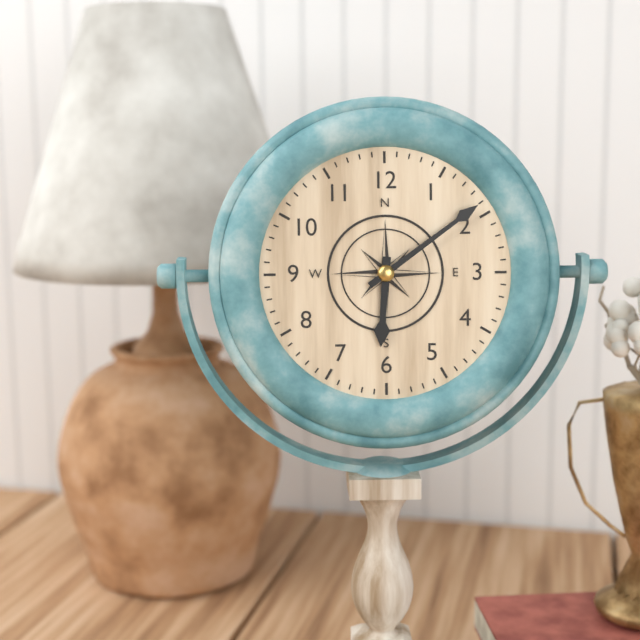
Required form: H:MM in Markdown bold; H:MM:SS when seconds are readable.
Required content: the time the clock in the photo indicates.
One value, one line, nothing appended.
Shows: **6:09**
